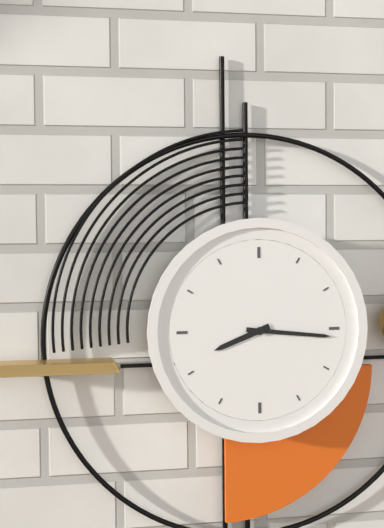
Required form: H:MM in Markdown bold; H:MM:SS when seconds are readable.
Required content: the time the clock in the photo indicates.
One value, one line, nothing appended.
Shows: **8:16**
